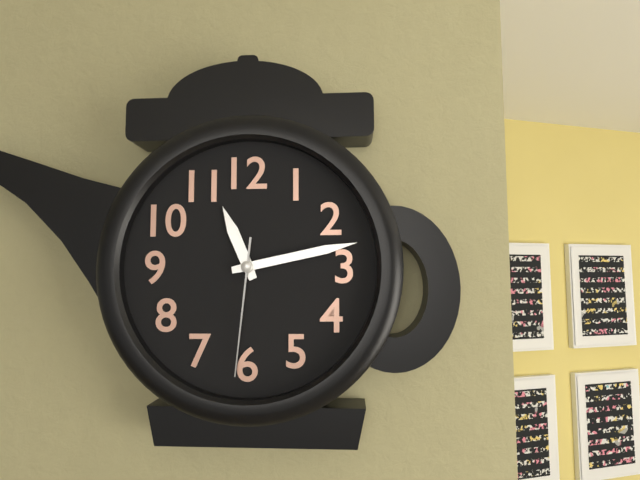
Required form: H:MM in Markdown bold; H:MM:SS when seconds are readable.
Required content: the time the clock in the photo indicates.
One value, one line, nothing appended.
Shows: **11:13:31**
